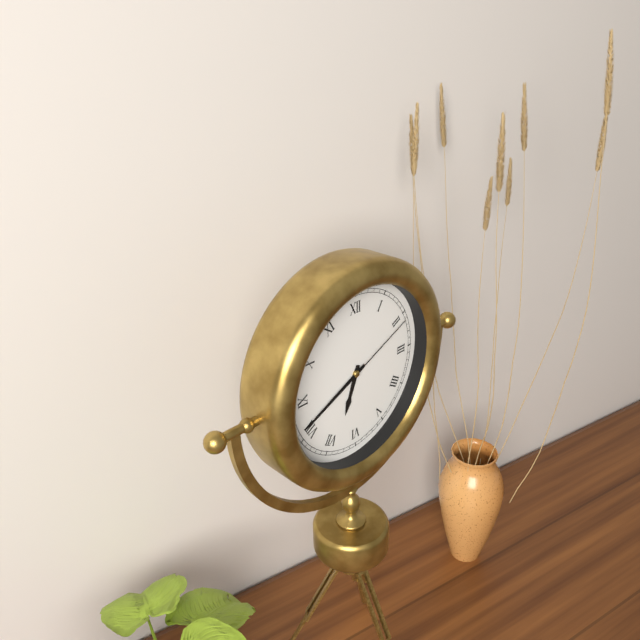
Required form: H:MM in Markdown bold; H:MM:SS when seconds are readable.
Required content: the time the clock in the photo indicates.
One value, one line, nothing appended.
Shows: **6:41:11**
